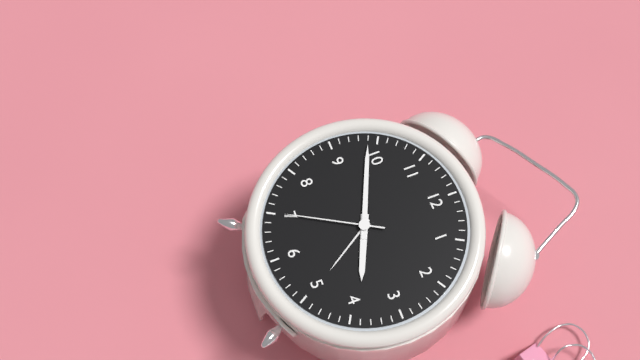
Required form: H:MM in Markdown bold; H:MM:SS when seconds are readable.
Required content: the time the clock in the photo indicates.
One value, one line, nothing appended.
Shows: **3:49:35**
